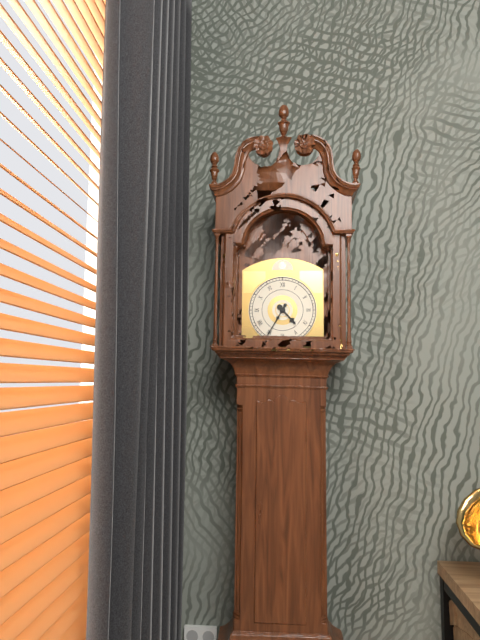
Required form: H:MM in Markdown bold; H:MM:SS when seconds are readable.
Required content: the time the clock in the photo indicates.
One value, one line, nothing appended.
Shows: **4:35**
